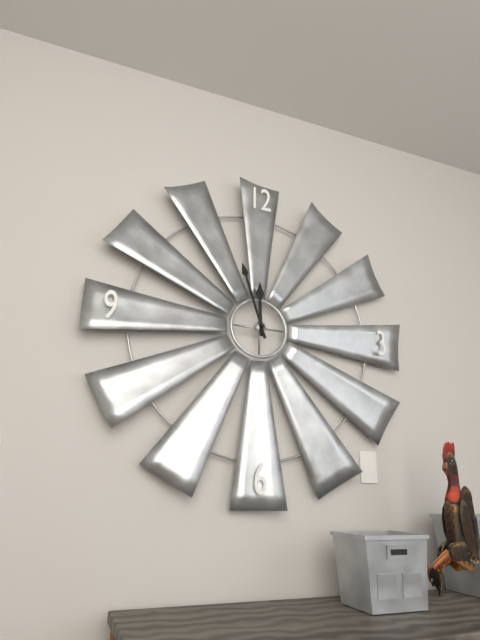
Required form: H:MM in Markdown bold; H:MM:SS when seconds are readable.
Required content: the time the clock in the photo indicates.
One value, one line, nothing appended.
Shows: **11:57**
